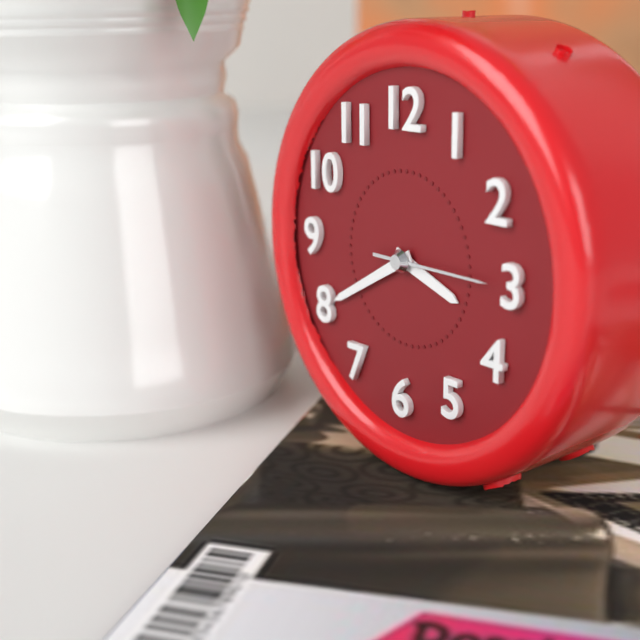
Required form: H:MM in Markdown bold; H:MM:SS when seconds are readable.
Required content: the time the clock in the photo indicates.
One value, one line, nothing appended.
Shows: **3:40:15**
